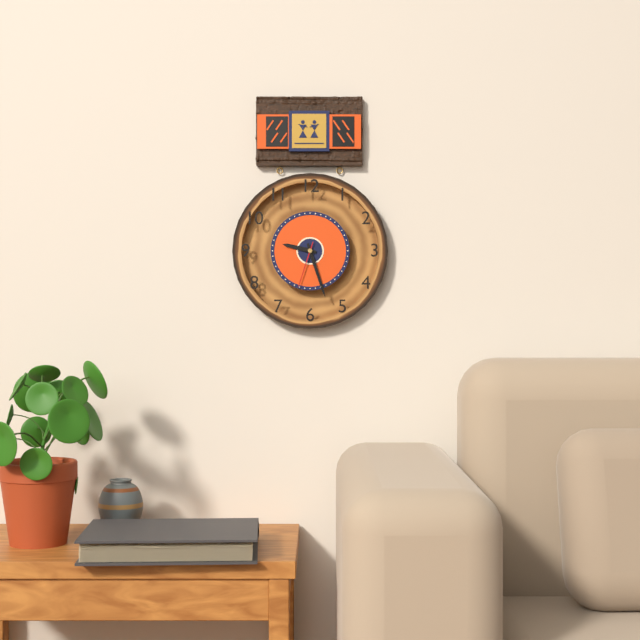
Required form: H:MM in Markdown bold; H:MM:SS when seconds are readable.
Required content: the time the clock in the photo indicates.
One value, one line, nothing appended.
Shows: **9:27**
